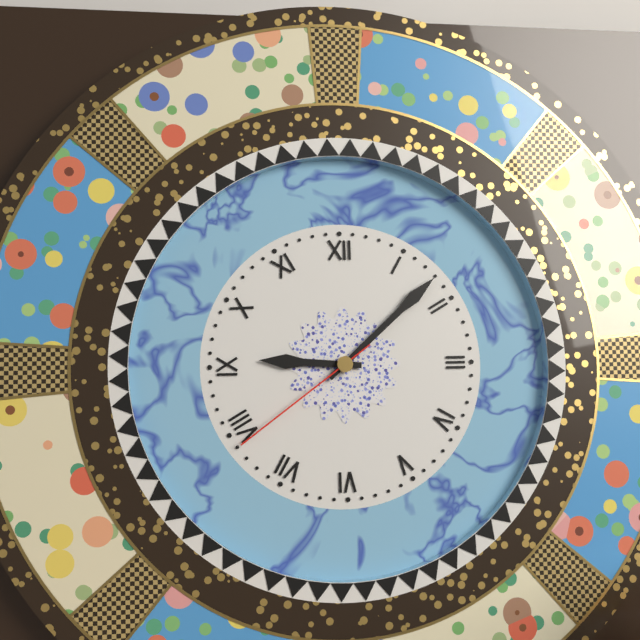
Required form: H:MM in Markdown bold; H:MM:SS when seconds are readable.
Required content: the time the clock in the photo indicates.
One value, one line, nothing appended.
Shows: **9:08:39**
